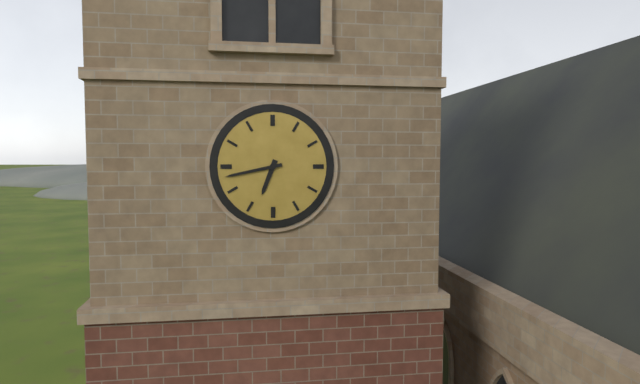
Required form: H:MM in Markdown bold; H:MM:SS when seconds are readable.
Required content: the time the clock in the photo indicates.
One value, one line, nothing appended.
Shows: **6:43**
